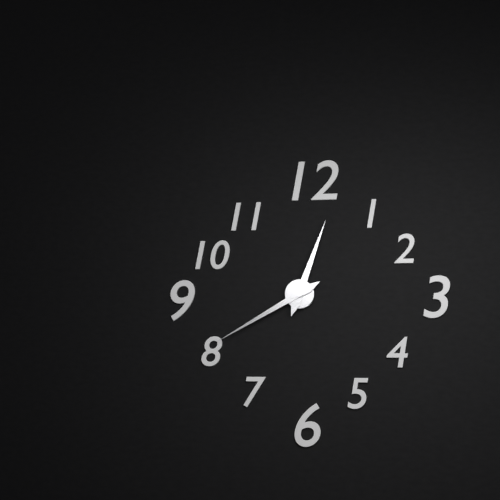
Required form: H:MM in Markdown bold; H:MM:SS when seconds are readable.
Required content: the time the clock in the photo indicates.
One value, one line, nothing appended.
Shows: **12:40**
